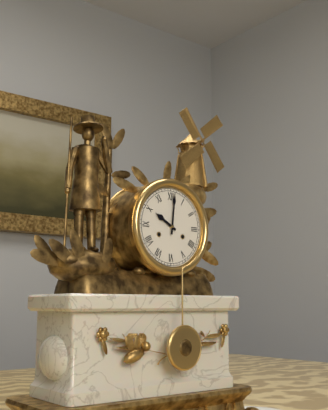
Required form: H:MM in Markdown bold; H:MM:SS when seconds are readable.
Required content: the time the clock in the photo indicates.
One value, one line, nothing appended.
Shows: **10:01**
